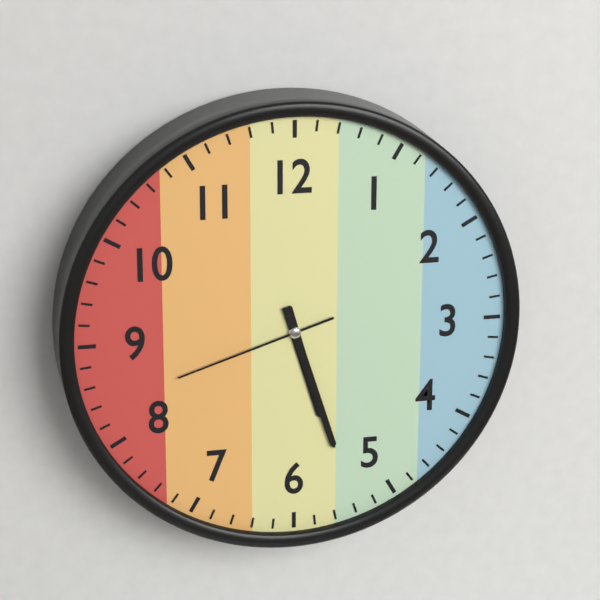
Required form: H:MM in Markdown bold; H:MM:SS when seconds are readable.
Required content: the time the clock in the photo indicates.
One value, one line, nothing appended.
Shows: **5:27:42**
